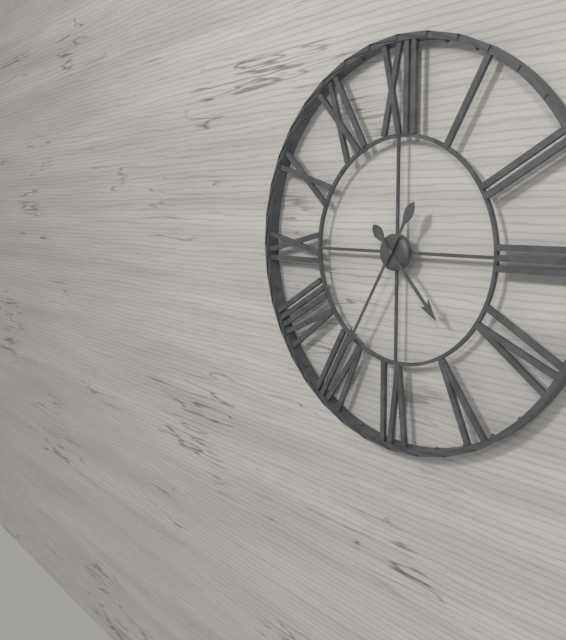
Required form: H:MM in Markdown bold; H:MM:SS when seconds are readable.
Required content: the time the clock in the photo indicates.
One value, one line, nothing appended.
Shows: **4:35**
